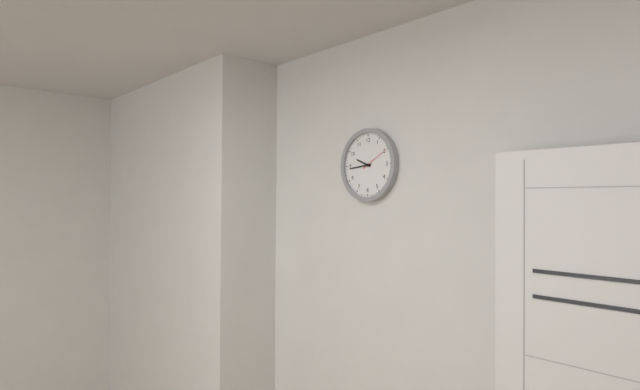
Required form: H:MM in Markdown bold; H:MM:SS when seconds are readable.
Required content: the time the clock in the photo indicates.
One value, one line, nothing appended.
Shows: **9:44**
